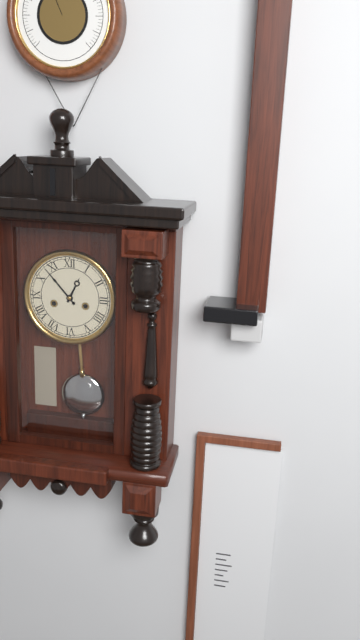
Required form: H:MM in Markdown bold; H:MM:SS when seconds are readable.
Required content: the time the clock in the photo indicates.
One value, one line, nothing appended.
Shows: **12:53**
